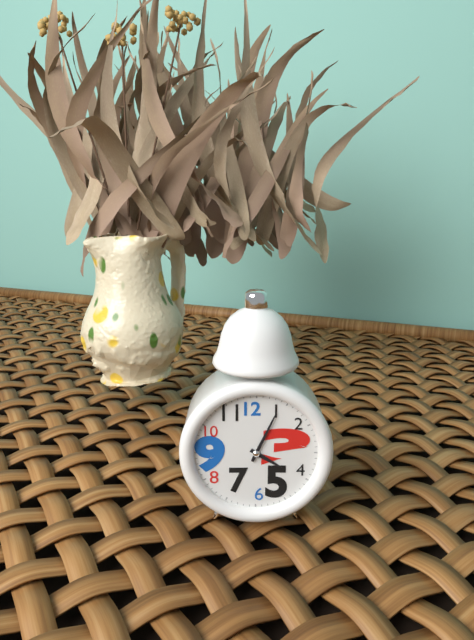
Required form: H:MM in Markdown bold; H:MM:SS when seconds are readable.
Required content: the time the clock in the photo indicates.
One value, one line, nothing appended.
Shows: **4:04**
